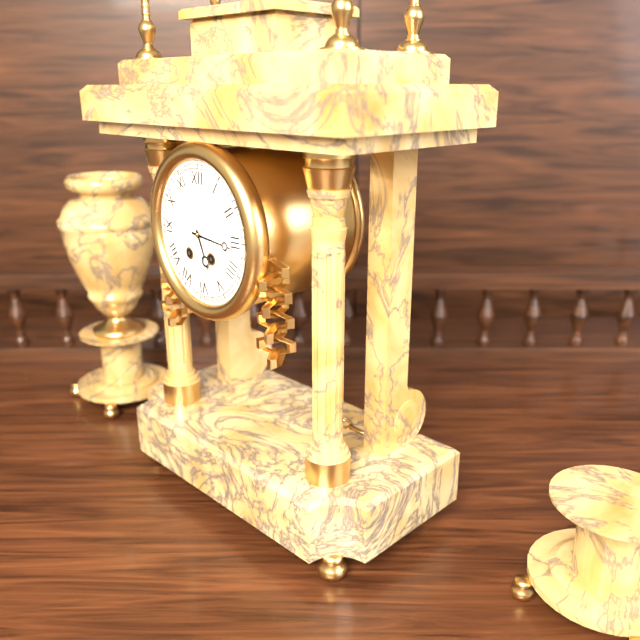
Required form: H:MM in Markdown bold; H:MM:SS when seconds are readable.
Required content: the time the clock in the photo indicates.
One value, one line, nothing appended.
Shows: **5:16**
